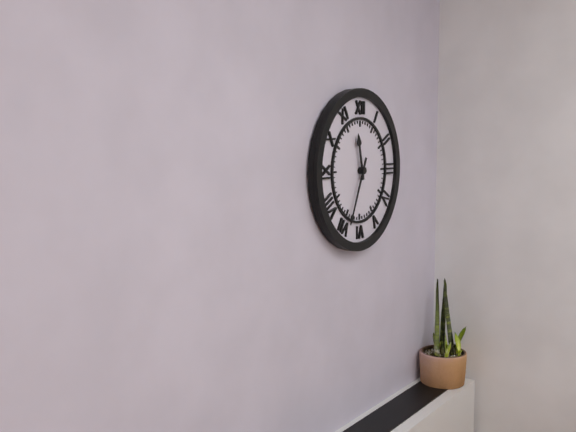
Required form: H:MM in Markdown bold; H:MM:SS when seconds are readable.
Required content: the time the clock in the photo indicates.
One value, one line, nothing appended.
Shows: **11:34**
